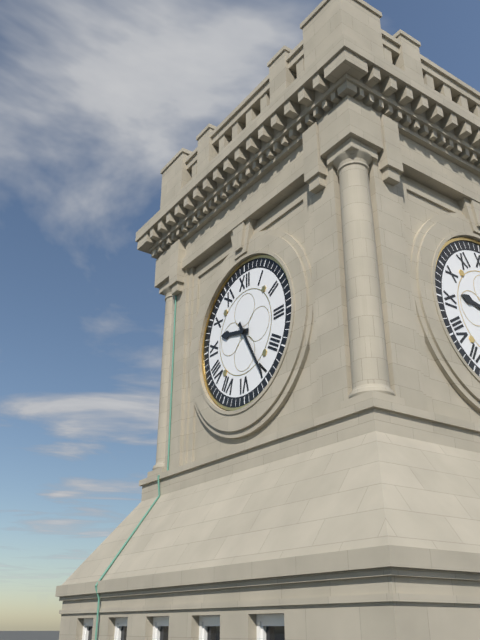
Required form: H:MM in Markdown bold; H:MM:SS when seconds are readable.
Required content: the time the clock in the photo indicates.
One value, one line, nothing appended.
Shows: **9:25**
